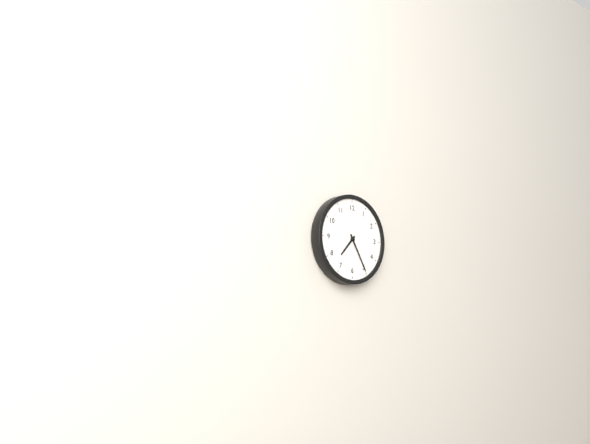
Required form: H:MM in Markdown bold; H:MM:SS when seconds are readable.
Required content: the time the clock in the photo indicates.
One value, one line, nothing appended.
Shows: **7:25**
